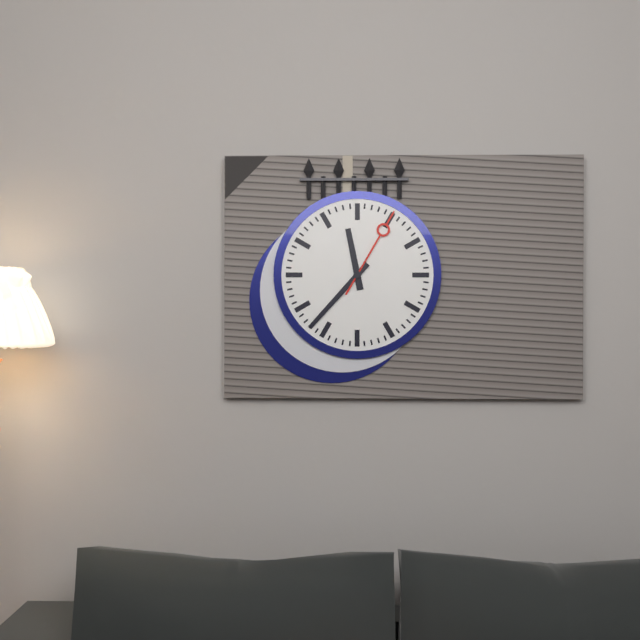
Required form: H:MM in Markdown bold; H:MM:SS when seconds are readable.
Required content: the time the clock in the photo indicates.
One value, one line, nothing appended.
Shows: **11:37:05**
